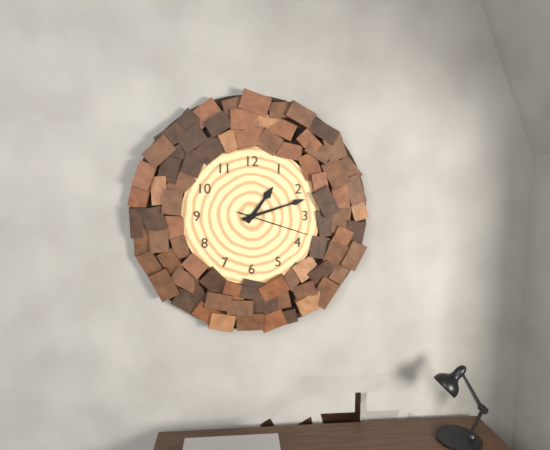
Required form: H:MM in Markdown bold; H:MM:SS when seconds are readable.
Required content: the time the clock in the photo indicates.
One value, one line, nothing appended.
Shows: **1:12:18**
